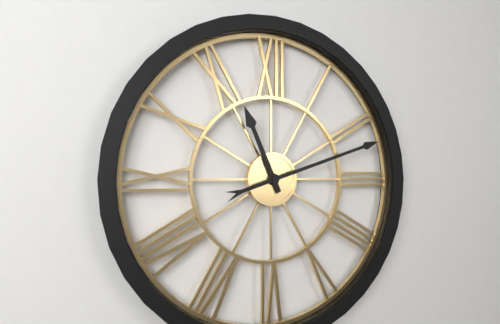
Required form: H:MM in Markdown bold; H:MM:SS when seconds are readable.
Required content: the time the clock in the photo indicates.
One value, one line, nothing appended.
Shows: **11:12**
